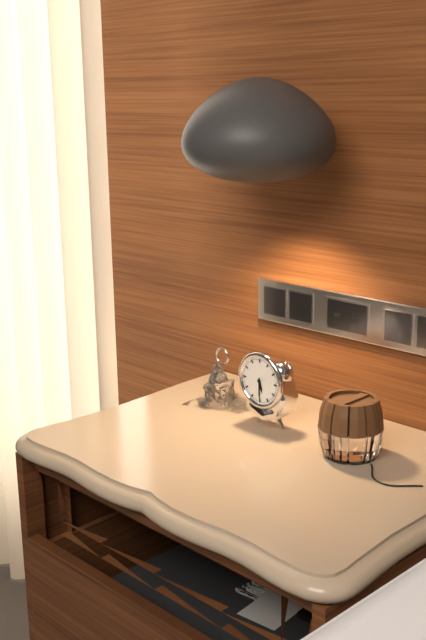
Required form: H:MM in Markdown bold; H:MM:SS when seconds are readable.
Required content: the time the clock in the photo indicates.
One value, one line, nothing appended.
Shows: **5:30**
